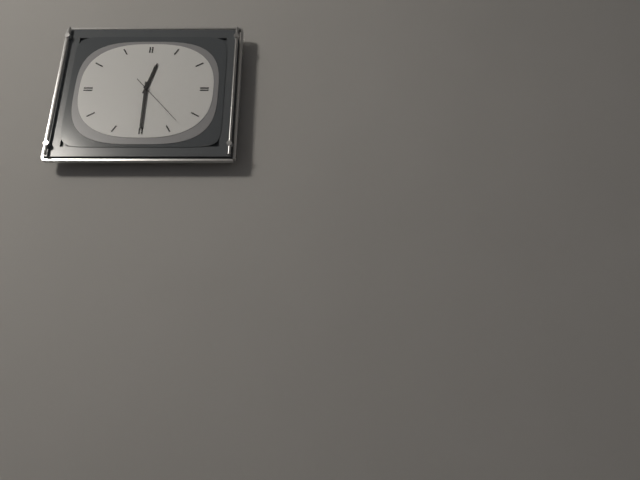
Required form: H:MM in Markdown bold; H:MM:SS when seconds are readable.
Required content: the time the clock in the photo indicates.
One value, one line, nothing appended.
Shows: **12:30:23**
